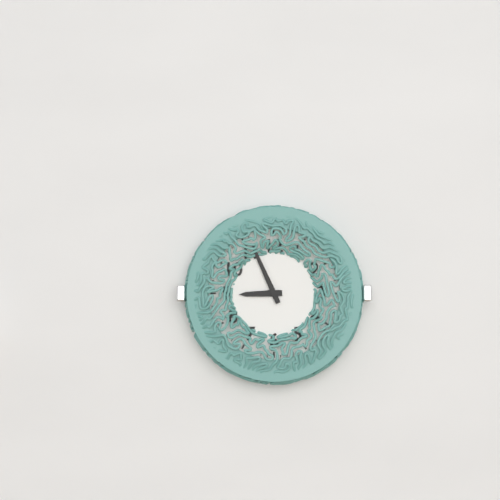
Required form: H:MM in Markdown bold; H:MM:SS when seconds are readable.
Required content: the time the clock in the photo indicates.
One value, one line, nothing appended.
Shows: **8:56**
